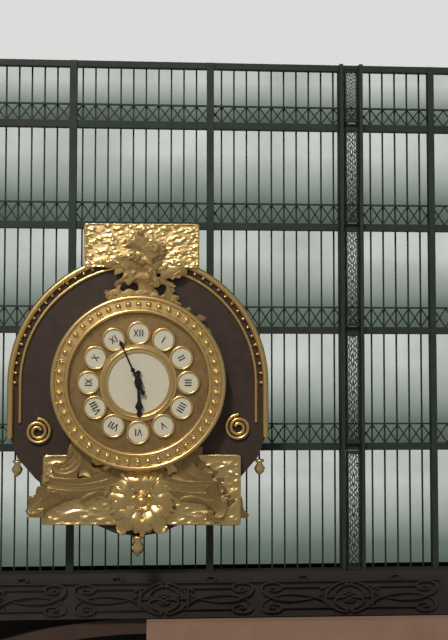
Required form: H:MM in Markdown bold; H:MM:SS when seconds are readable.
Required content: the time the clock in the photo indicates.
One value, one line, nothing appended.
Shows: **5:56**
